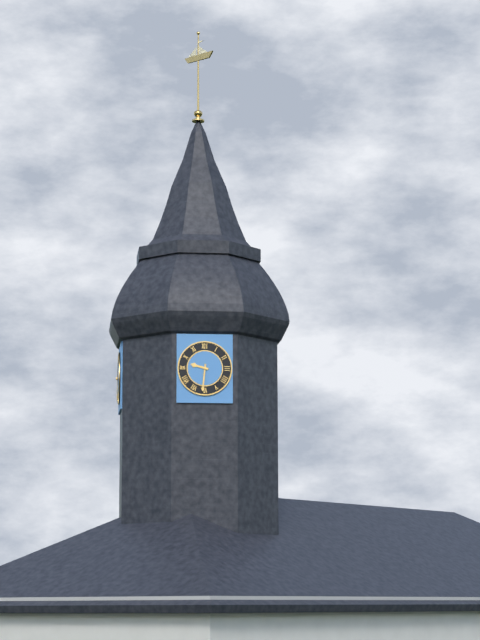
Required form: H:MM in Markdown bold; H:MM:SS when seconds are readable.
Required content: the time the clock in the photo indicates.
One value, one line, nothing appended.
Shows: **9:31**
